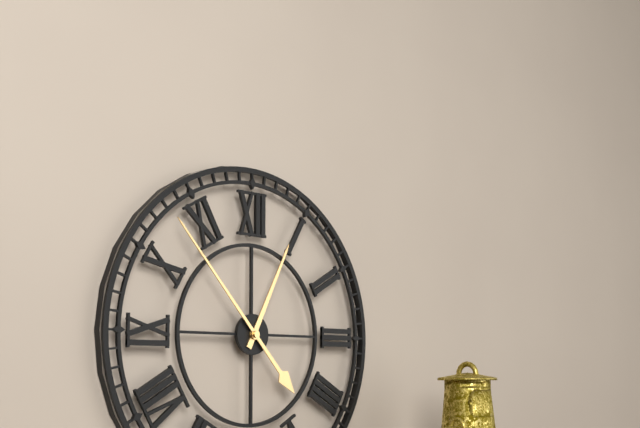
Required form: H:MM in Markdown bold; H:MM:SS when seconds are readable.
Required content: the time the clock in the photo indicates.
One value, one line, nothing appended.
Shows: **12:53**
